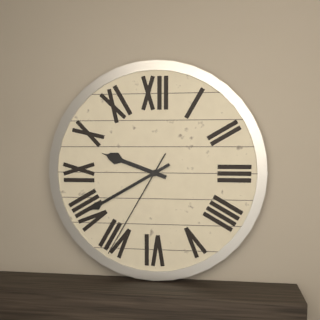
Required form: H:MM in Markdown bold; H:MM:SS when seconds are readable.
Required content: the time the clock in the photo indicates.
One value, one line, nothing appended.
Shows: **9:40:35**
